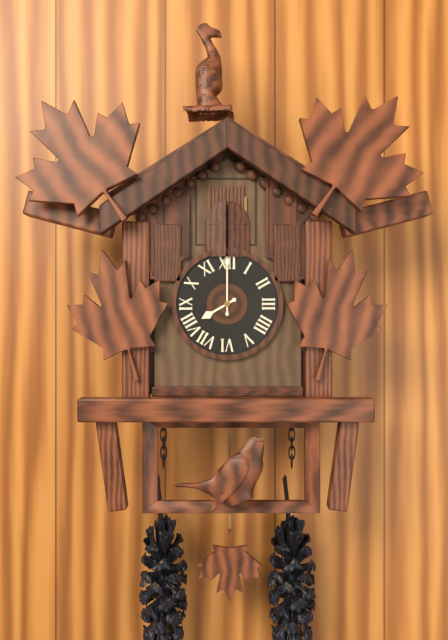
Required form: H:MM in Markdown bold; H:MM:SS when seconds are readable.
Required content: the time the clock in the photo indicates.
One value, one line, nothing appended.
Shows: **8:00**
